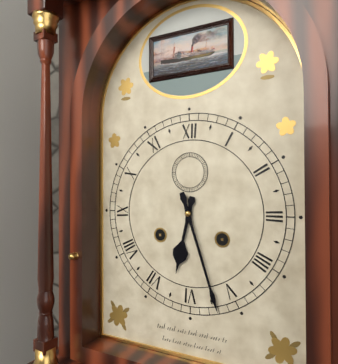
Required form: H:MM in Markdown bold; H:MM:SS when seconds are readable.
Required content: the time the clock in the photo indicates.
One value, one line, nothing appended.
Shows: **6:27**
